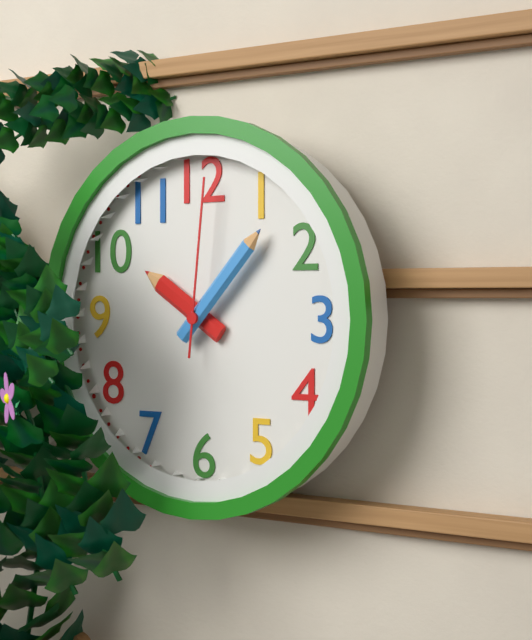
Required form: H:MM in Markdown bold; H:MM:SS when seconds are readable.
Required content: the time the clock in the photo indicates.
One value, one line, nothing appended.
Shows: **10:07:01**
